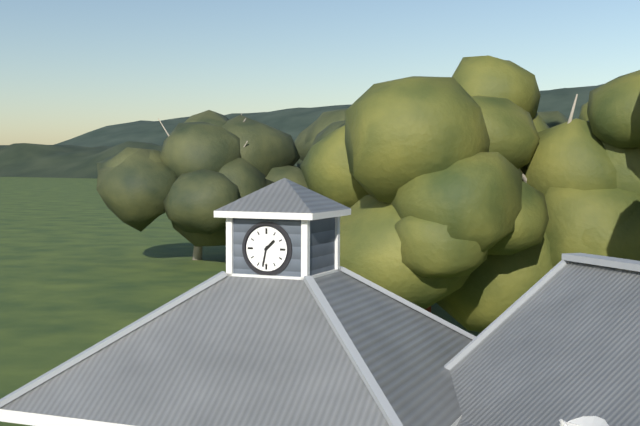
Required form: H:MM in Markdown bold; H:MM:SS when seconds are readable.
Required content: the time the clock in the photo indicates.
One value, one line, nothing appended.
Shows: **1:32**
